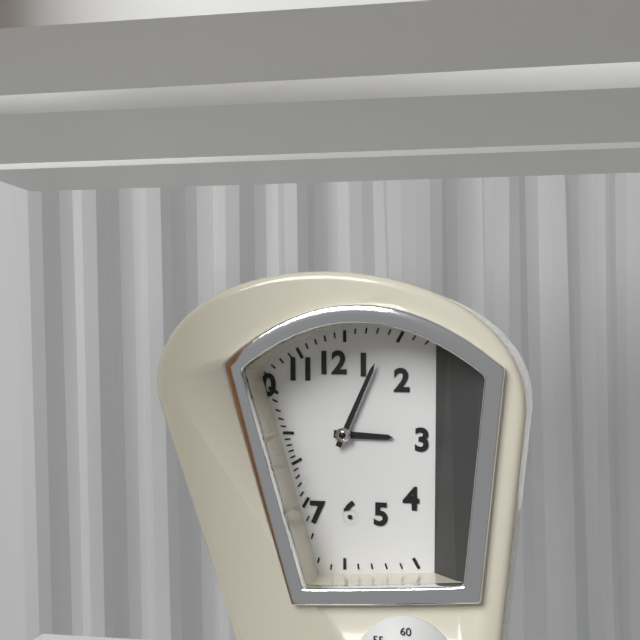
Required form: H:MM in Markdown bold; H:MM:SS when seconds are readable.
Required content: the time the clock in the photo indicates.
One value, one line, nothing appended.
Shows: **3:04**
